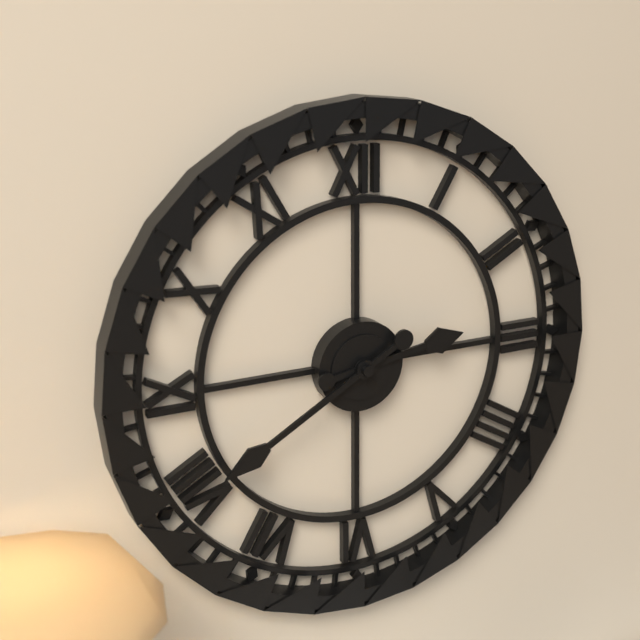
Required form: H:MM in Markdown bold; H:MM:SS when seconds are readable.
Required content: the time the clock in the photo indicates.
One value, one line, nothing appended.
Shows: **2:40**
